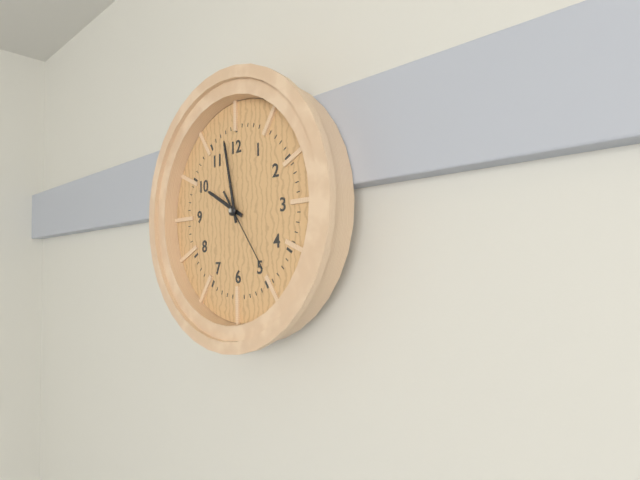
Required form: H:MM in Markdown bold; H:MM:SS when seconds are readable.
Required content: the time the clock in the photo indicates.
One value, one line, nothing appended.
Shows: **9:58:24**
